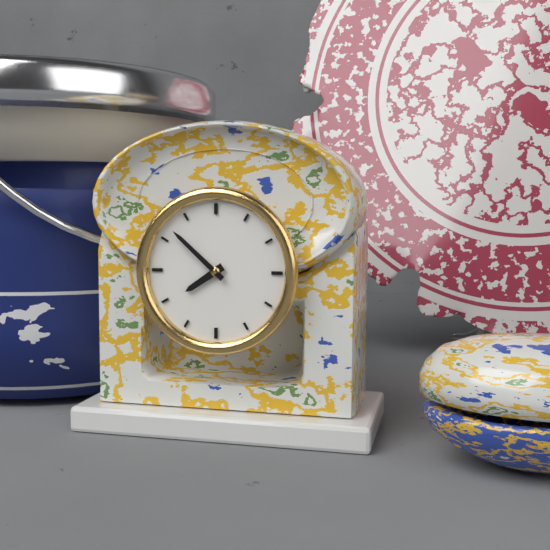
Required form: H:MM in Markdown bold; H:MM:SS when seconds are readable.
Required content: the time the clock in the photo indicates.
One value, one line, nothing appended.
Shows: **7:52**
